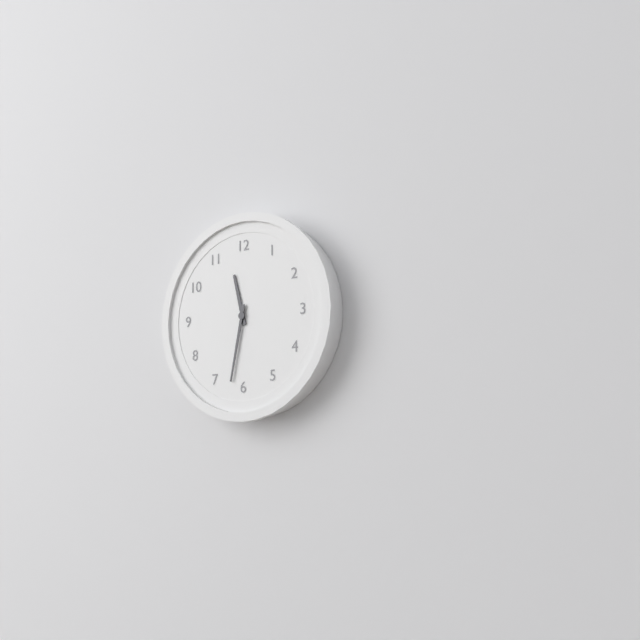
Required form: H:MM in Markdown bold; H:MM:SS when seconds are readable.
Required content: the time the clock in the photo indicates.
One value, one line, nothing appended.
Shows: **11:32**
